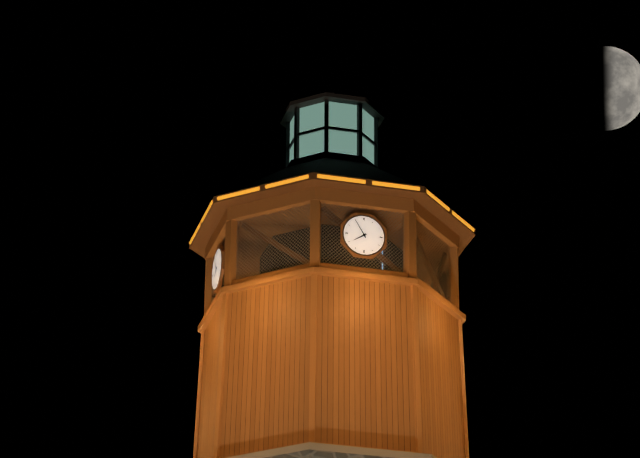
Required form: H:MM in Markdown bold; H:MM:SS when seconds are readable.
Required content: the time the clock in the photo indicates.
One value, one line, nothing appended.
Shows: **7:55**
